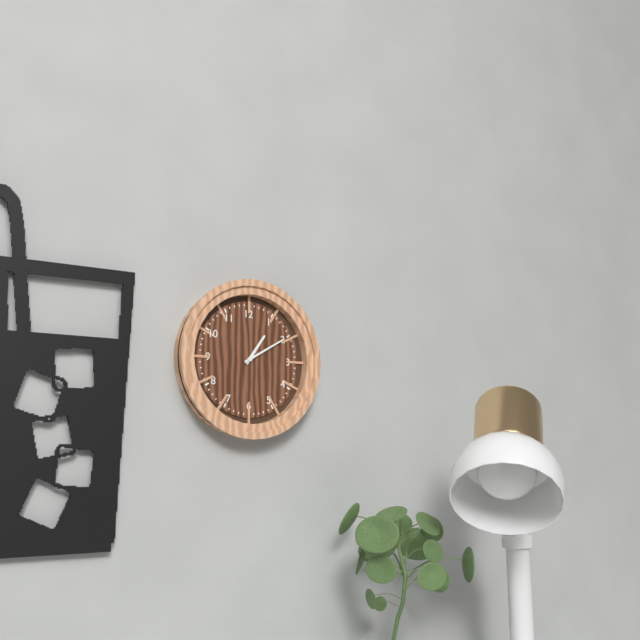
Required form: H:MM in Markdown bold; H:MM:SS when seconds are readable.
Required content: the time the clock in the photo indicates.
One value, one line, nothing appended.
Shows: **1:10**
